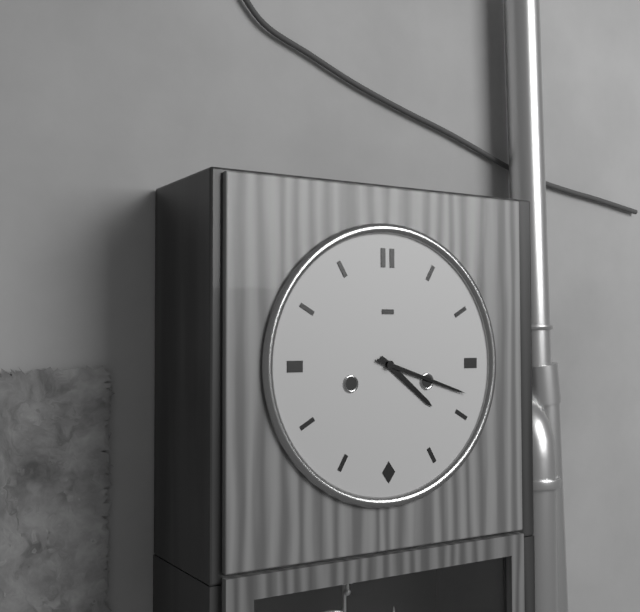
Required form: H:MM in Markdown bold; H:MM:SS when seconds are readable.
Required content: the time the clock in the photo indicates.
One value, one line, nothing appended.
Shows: **4:18**
